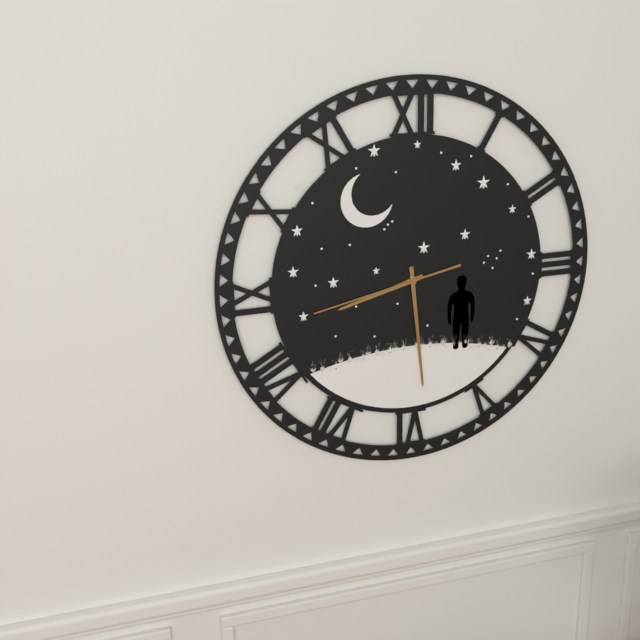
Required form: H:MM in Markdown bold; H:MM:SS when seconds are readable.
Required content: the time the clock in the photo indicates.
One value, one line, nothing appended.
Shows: **8:29:43**
